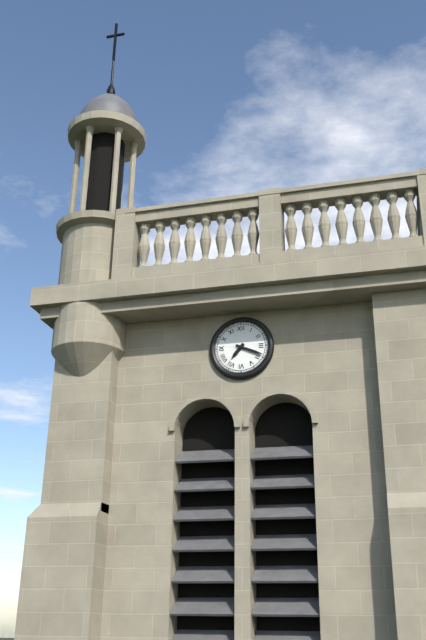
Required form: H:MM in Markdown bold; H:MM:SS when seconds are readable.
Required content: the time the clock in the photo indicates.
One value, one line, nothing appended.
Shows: **7:19**
